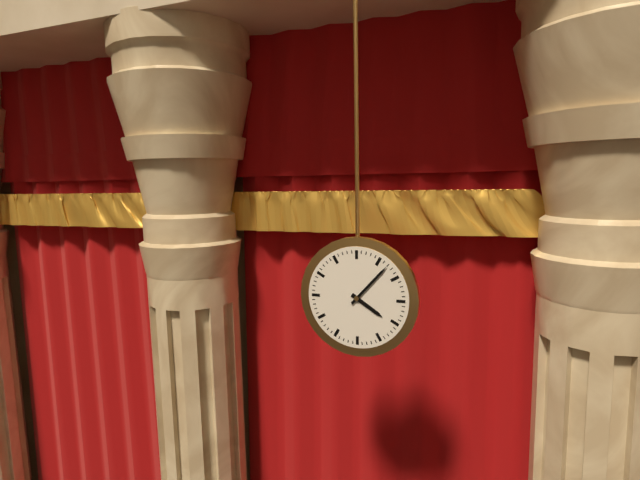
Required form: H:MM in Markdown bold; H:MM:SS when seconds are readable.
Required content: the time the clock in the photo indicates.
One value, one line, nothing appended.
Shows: **4:07**
